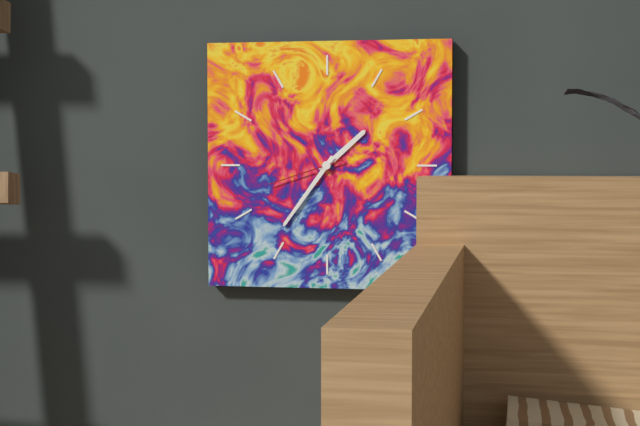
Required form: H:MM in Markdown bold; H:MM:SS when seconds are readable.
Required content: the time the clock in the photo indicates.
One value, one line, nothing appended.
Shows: **1:36:42**
